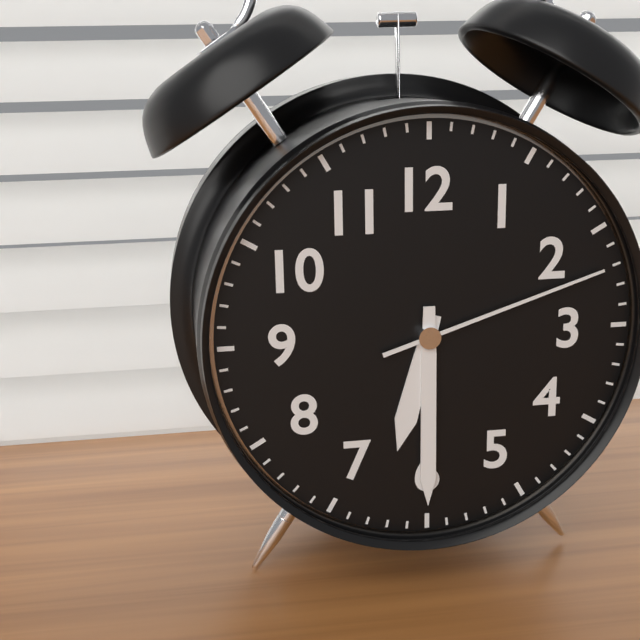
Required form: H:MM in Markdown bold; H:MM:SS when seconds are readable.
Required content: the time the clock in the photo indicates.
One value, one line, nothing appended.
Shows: **6:30:12**
